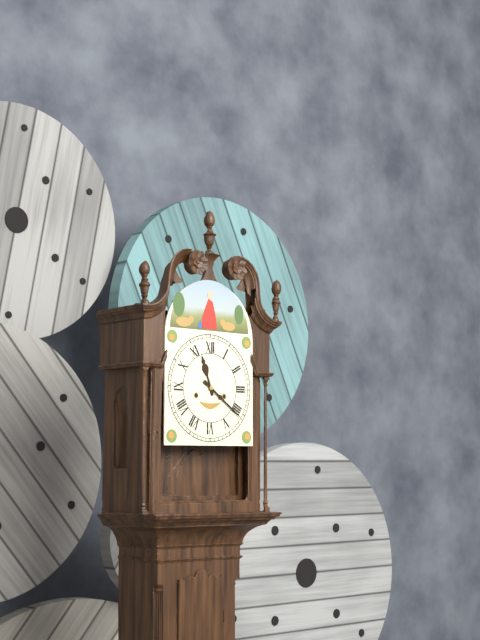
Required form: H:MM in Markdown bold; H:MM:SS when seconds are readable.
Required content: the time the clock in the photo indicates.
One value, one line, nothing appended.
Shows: **11:21**
